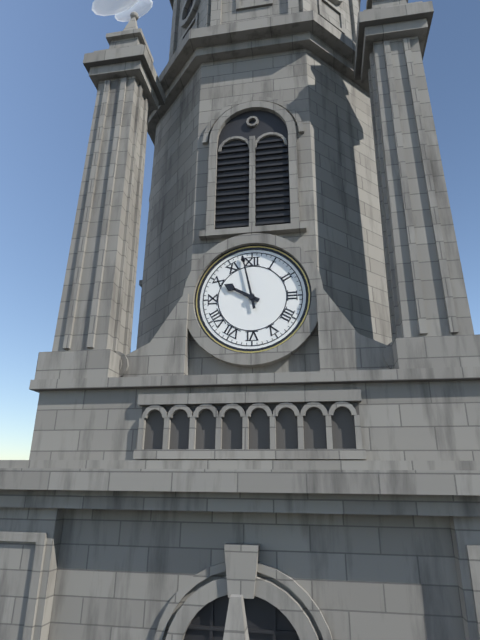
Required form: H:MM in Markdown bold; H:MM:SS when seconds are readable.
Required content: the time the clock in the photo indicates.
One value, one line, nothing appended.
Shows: **9:58**
